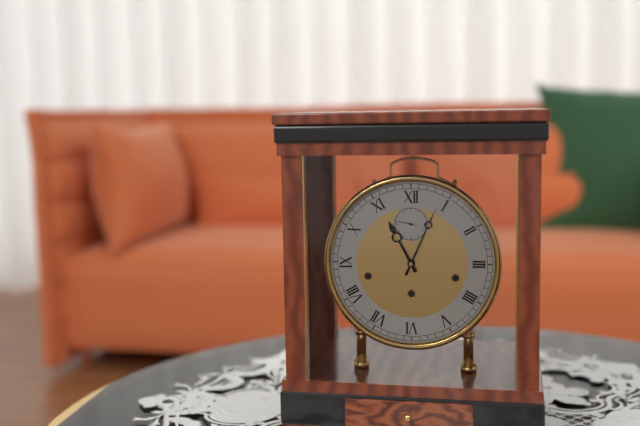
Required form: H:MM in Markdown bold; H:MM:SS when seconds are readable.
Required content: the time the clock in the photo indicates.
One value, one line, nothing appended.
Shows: **11:04**
